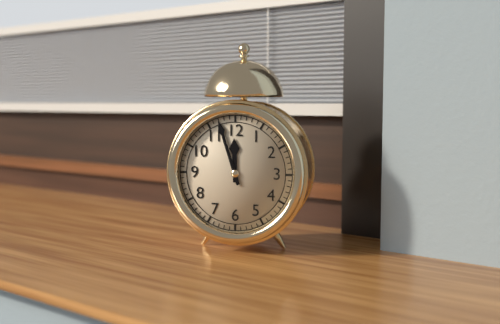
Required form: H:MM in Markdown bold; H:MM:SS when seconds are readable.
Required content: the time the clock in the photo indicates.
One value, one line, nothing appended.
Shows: **11:57**
